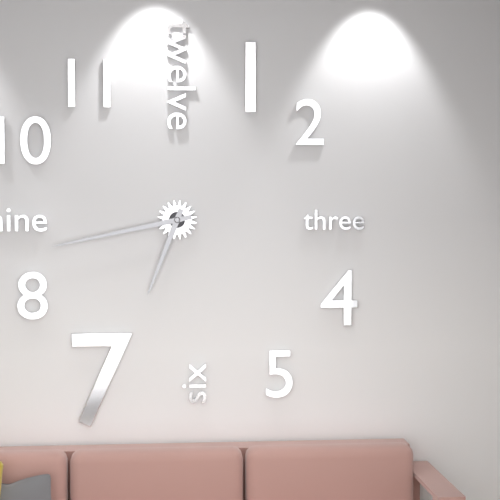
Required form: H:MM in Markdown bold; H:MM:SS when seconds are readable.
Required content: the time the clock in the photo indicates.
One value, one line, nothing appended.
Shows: **6:43**
